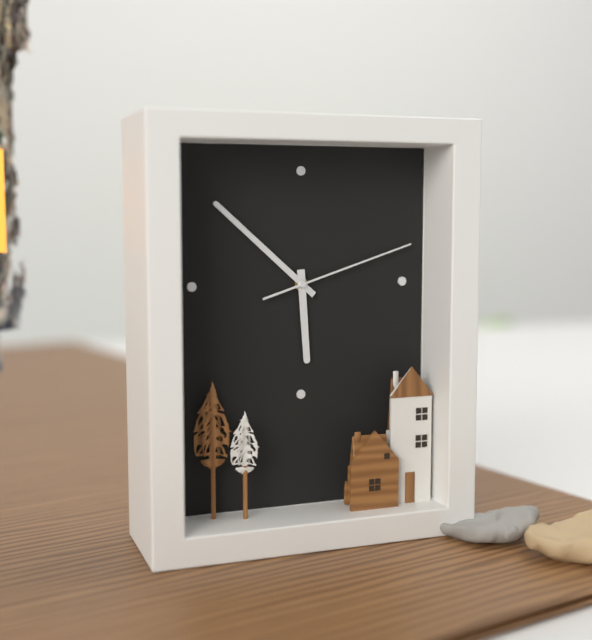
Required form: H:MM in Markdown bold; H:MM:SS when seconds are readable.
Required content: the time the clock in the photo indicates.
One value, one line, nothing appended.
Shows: **5:52:12**
